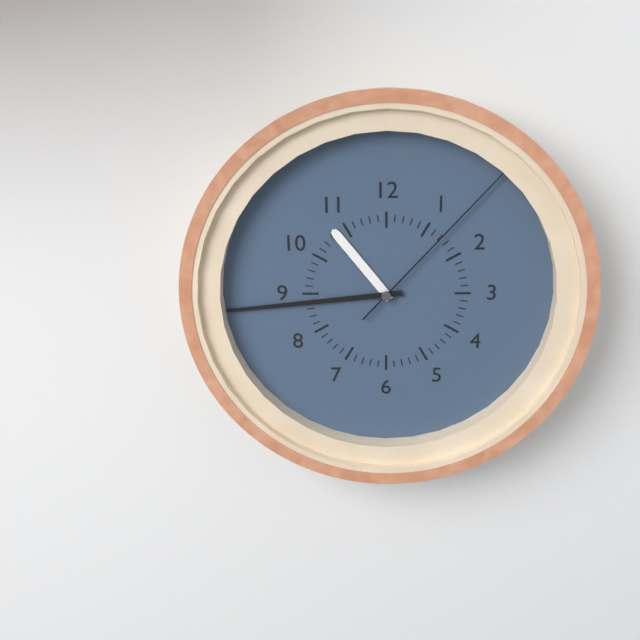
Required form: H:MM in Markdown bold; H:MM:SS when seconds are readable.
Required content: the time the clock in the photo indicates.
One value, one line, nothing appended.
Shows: **10:44:07**
